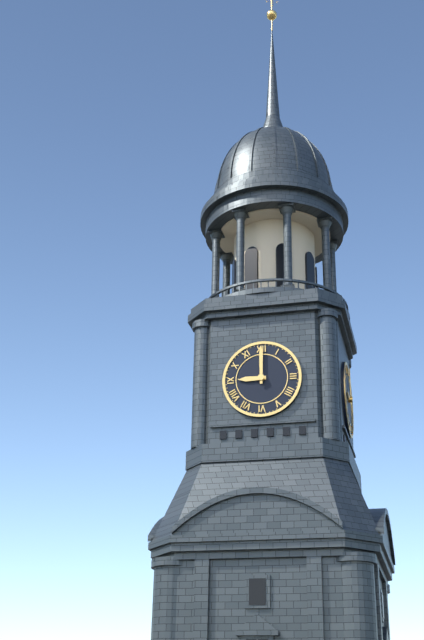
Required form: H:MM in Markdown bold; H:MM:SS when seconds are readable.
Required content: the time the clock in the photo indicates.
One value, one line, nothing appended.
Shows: **9:00**
